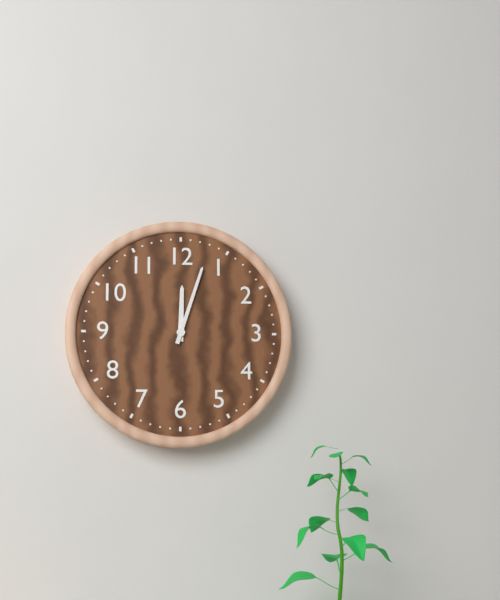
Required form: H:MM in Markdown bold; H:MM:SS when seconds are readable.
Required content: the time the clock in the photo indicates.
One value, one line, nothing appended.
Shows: **12:03**
